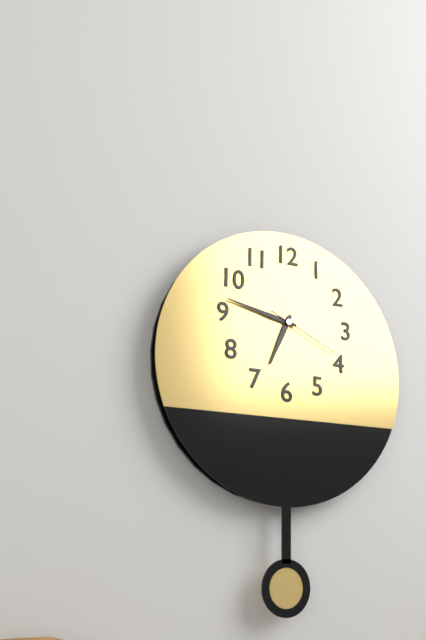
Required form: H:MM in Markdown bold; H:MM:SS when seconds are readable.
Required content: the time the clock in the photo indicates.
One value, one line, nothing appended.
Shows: **6:47:19**
